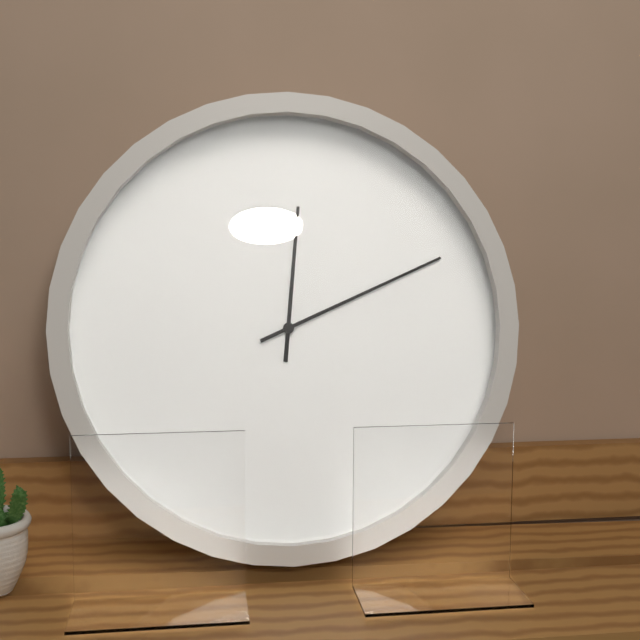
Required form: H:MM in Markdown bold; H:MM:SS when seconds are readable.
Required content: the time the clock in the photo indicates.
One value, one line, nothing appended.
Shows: **12:11**
